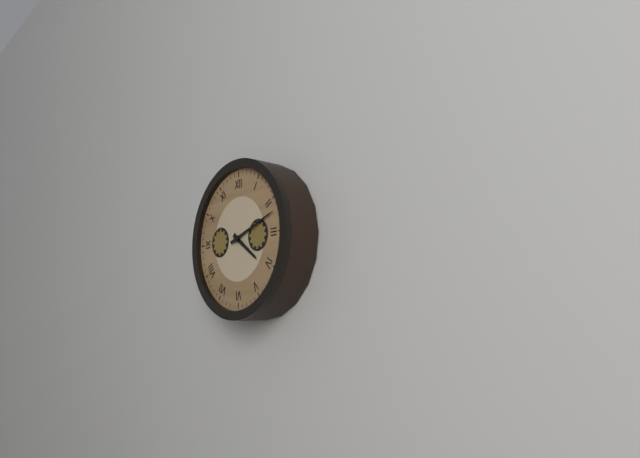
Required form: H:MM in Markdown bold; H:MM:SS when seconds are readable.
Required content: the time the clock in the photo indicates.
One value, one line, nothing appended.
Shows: **4:12**
